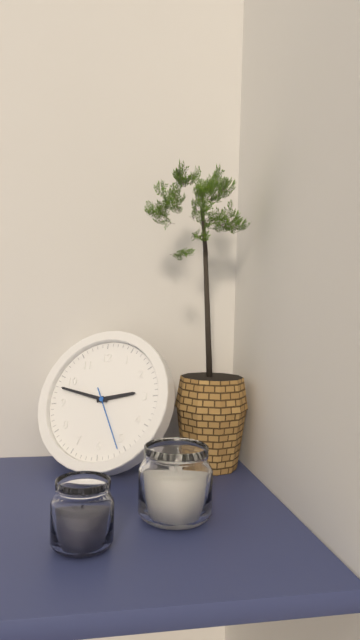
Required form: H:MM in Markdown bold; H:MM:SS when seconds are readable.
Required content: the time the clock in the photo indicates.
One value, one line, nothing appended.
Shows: **2:48:26**
